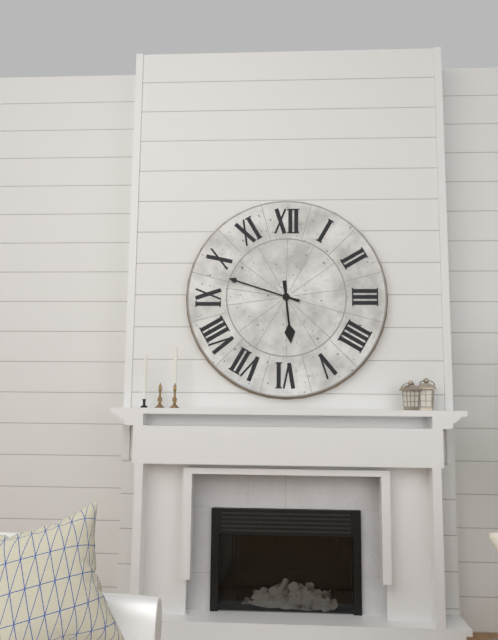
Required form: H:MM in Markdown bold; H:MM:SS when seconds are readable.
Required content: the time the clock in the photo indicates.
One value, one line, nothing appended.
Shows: **5:48**
